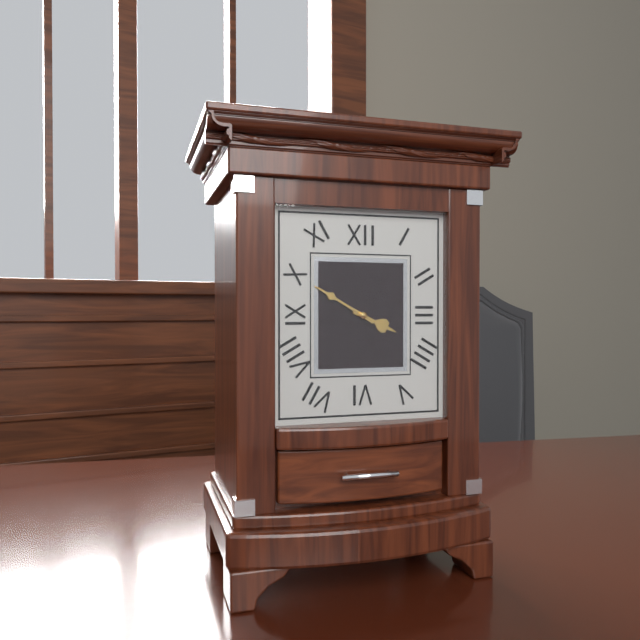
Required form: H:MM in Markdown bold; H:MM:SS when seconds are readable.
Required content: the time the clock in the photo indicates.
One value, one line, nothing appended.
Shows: **3:50**
